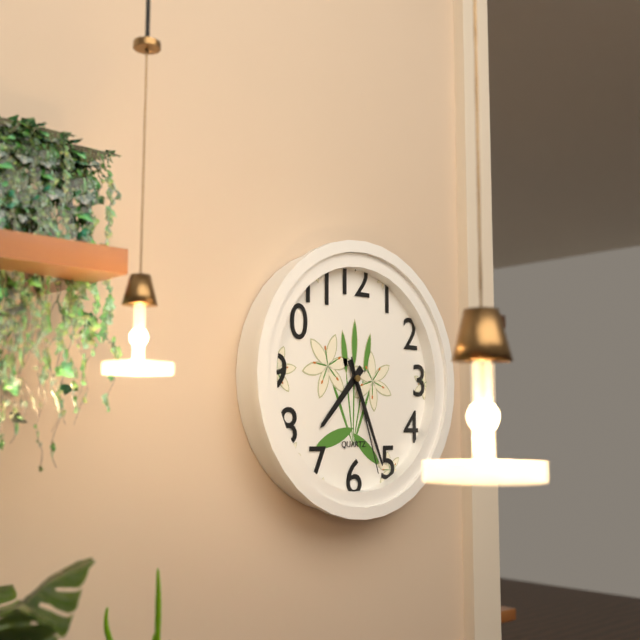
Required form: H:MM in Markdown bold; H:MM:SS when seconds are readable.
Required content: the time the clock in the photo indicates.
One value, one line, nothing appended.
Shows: **7:26:27**
